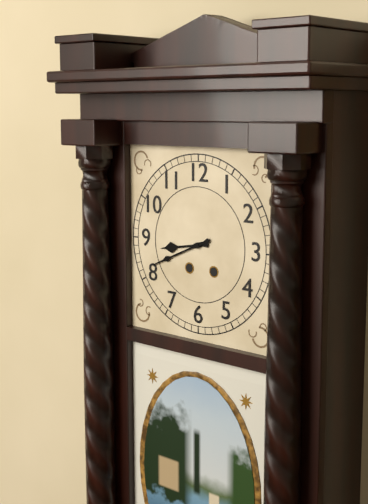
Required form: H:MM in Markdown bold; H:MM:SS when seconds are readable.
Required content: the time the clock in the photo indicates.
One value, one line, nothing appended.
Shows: **8:41**
